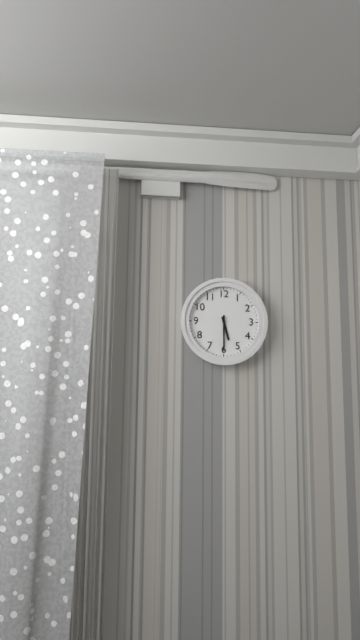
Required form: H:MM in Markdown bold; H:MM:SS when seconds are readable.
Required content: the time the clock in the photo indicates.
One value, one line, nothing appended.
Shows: **5:30**
